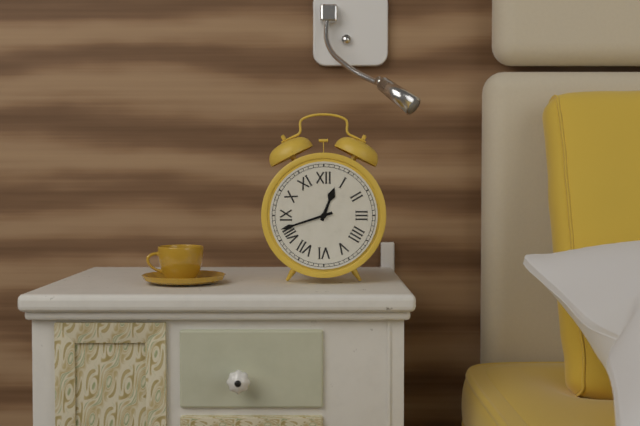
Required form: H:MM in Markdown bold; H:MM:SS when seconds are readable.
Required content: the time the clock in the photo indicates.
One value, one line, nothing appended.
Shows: **12:42**
